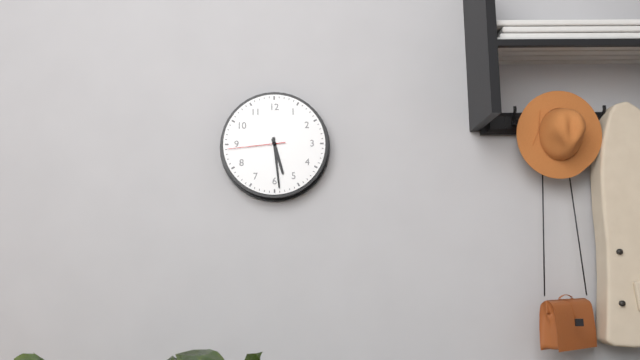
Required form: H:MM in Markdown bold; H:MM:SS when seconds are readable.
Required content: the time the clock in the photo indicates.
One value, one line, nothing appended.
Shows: **5:29:44**
